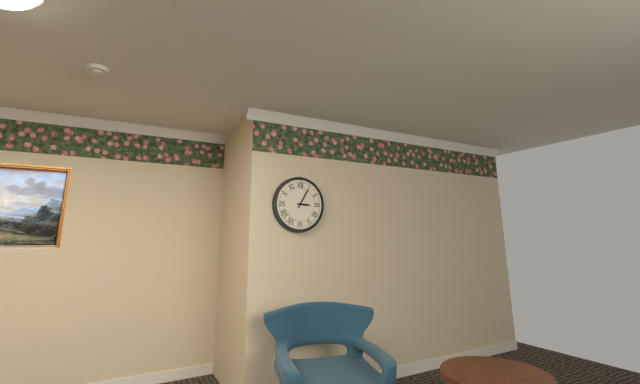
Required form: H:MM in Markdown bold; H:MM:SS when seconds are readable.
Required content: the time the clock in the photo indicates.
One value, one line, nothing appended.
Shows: **3:05**
